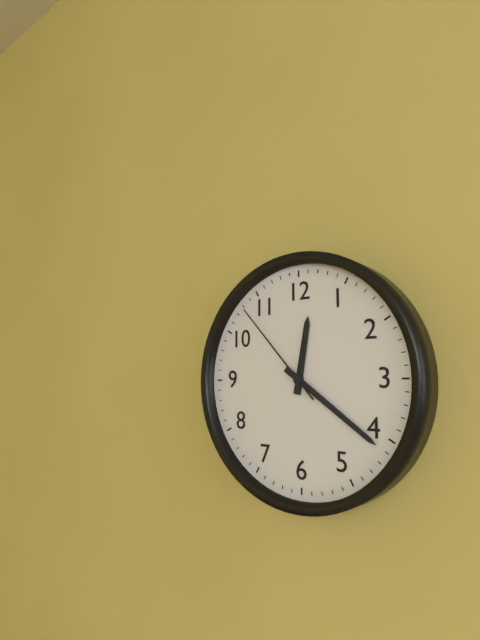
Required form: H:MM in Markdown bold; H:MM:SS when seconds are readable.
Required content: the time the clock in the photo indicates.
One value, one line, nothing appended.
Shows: **12:21:53**
